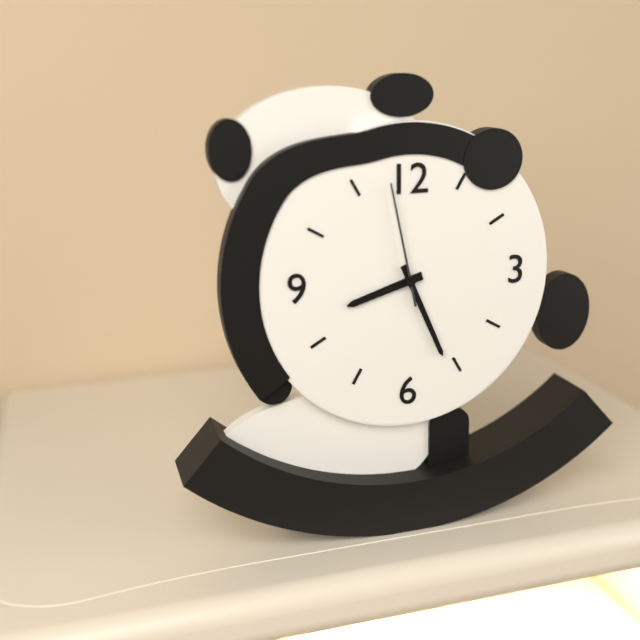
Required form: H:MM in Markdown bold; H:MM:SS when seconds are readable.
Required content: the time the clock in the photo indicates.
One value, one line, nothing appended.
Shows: **8:26:58**
